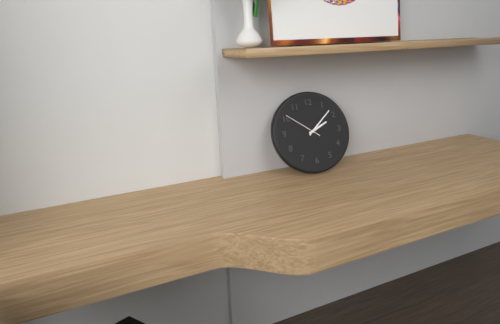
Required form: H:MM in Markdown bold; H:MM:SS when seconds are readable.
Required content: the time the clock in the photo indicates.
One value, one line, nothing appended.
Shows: **2:08**
